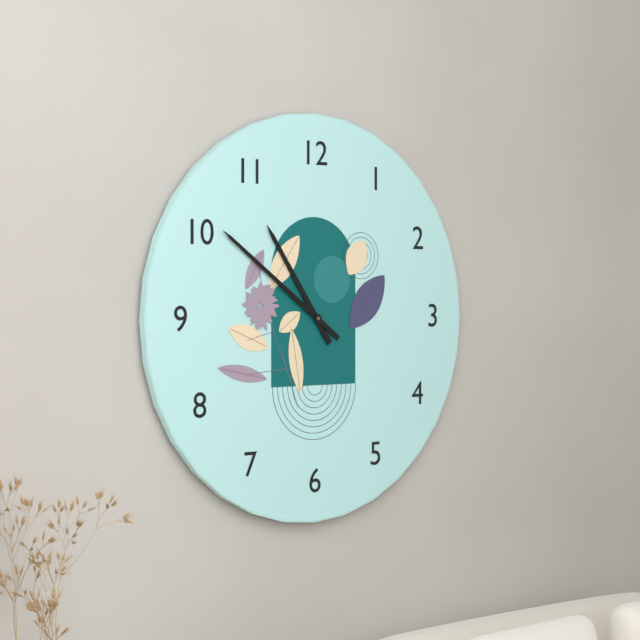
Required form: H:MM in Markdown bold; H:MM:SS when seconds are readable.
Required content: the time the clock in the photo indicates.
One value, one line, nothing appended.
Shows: **10:51**
